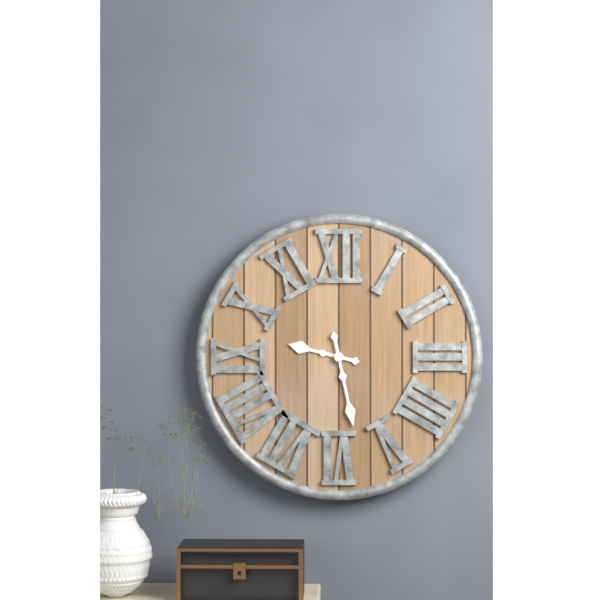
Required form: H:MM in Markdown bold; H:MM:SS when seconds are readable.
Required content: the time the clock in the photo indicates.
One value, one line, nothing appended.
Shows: **9:28**
